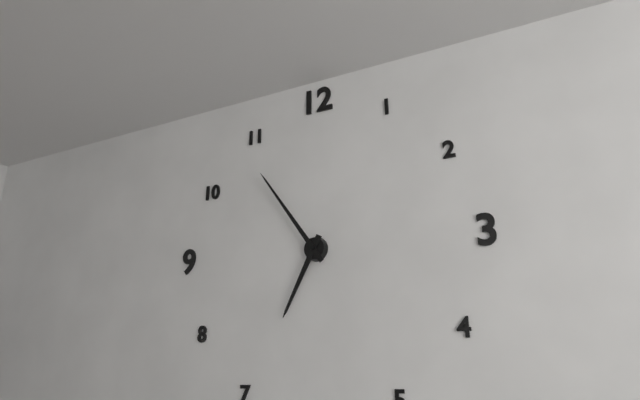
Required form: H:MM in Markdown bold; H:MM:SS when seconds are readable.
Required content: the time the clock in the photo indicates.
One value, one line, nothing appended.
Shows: **6:54**
